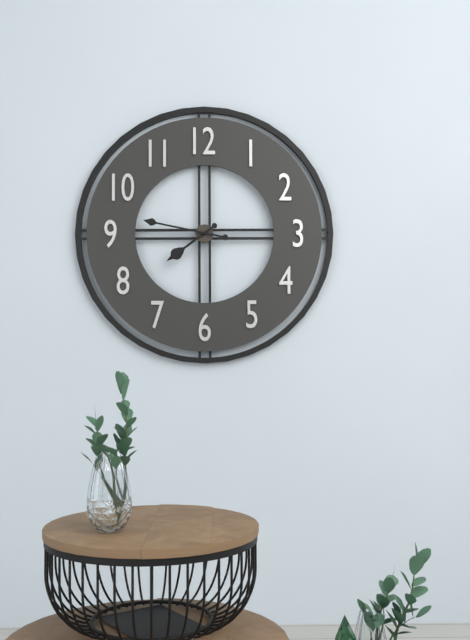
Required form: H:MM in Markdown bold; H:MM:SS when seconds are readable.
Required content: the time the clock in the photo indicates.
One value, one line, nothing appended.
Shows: **7:47**
